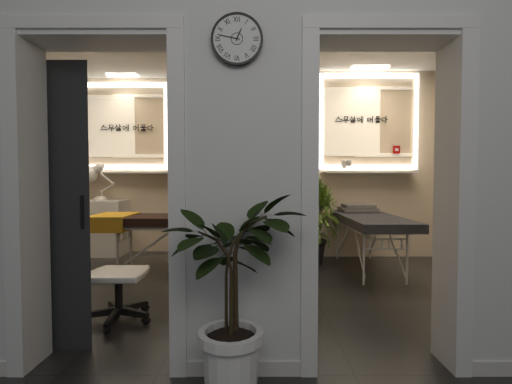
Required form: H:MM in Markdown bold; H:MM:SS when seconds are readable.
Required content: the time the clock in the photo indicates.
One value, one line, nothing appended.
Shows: **12:47**
